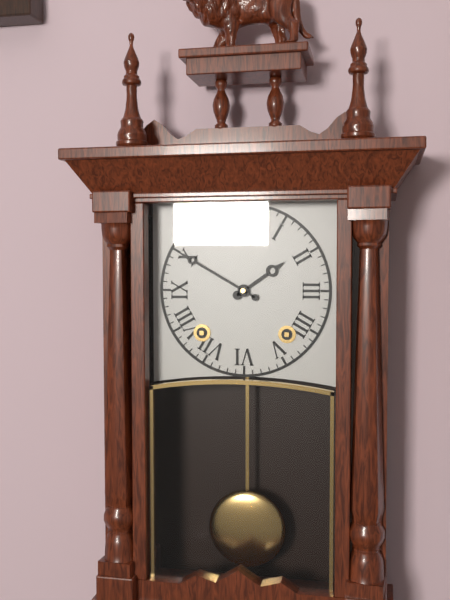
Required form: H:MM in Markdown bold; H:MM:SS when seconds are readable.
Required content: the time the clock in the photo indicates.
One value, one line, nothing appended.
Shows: **1:50**
